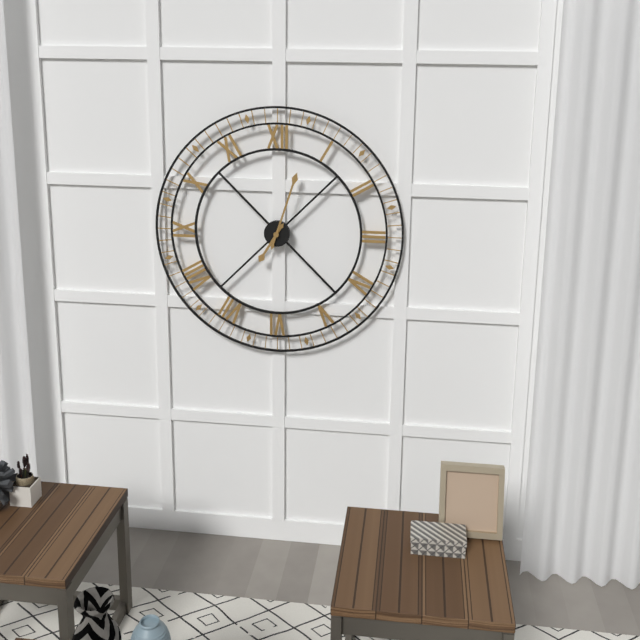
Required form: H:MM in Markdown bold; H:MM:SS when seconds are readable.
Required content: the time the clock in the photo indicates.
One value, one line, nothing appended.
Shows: **7:03**
